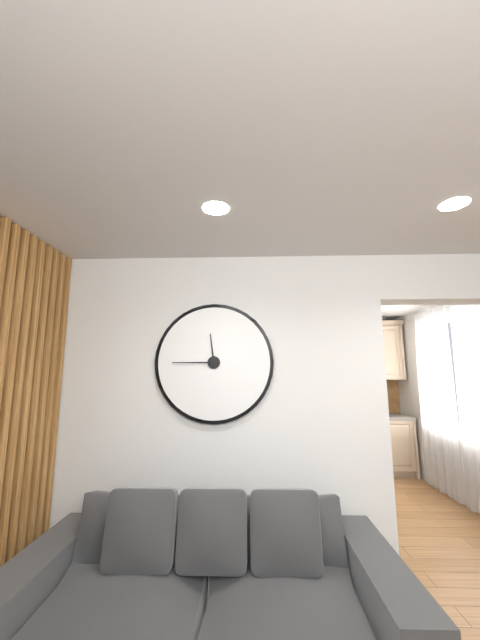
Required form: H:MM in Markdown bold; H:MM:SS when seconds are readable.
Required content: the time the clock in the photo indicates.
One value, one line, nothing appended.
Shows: **11:45**
